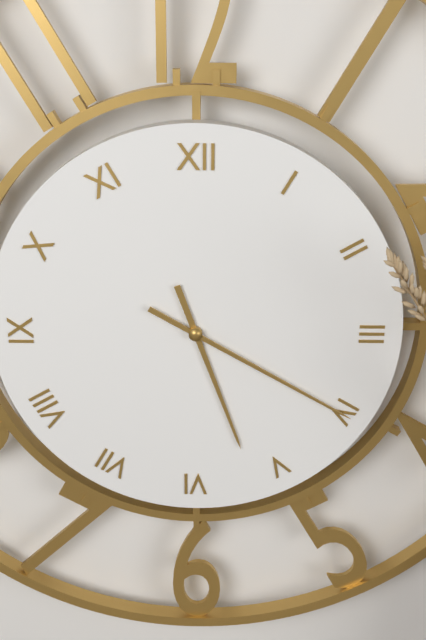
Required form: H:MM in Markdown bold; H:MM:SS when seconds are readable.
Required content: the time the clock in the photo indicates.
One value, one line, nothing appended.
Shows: **5:20**
